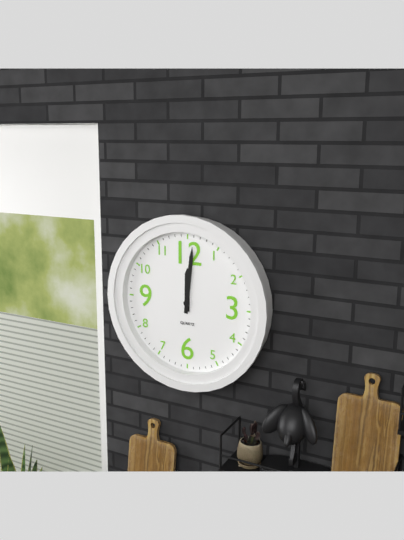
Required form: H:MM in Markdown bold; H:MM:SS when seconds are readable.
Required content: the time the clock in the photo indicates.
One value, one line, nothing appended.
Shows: **12:01**
